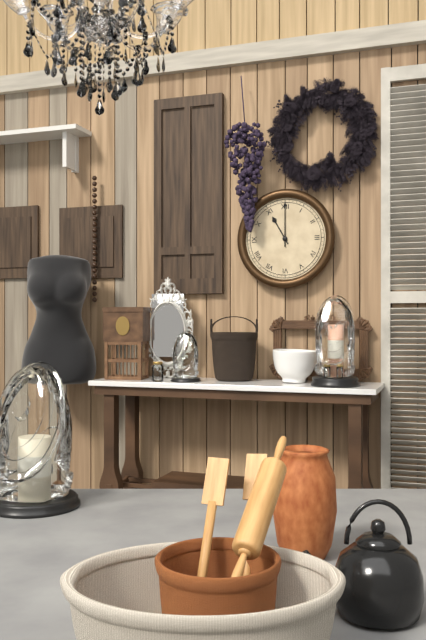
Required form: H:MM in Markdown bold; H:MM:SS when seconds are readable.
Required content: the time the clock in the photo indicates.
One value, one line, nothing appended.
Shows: **11:00**
